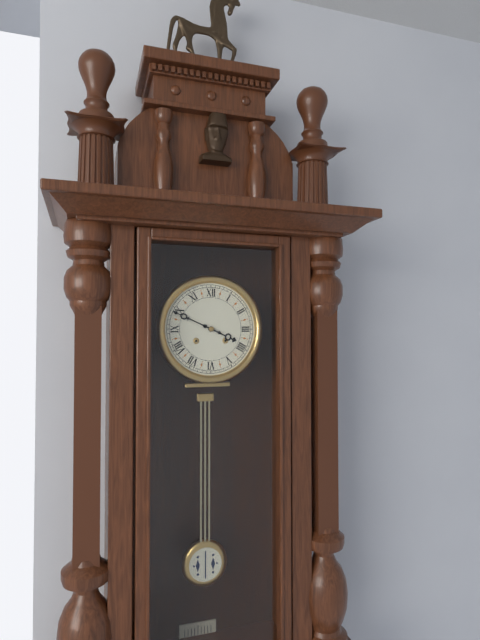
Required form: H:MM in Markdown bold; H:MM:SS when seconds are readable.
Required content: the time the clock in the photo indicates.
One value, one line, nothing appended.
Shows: **3:49**
